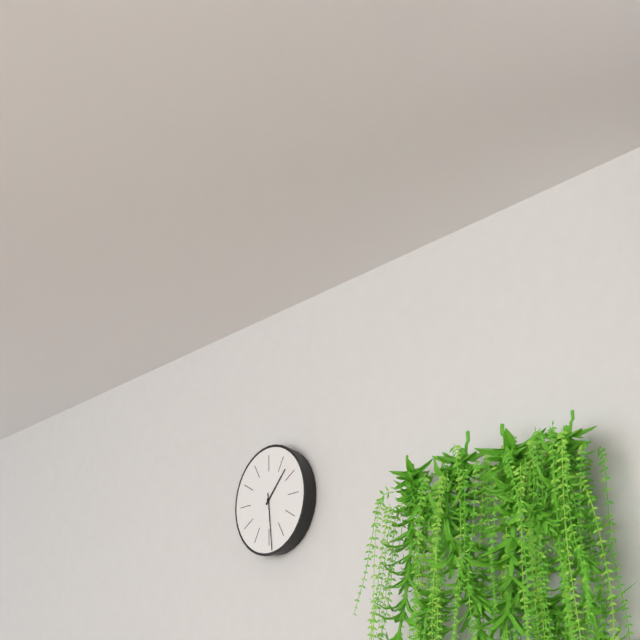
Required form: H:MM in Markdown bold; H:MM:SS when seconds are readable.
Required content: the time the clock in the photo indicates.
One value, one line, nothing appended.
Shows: **1:29**
